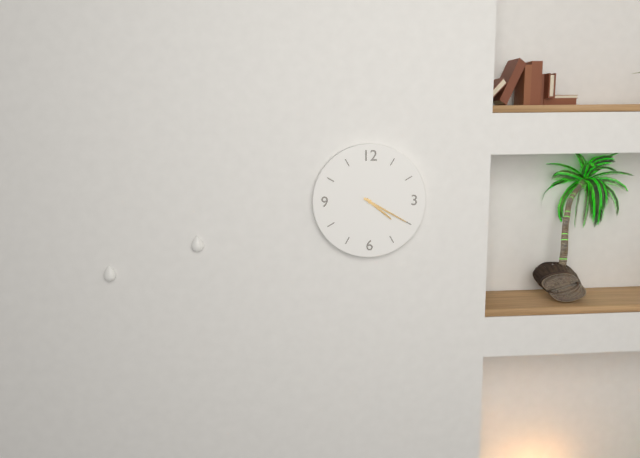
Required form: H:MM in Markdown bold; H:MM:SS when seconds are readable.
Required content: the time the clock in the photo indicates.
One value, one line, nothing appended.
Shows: **4:20**
